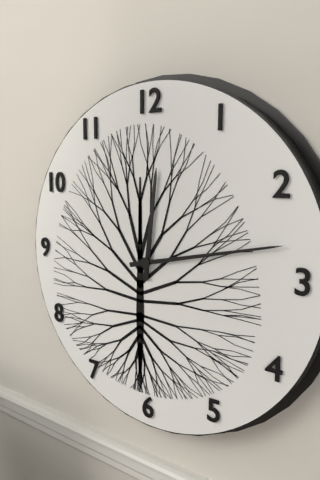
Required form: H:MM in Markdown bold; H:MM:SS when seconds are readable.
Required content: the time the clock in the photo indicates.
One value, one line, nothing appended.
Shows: **12:13**
